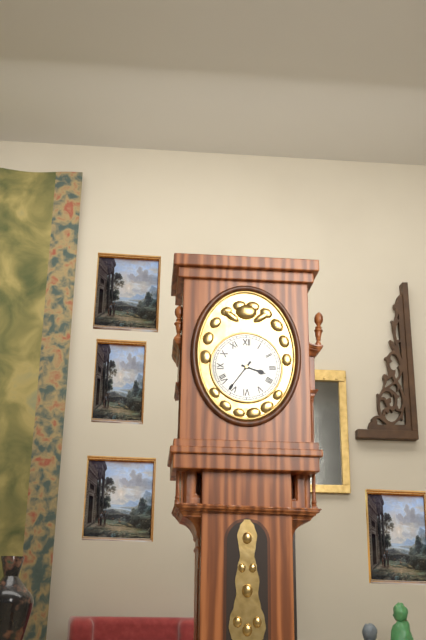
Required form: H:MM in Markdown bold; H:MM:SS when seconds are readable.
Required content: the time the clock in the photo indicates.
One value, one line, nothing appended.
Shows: **3:36**
